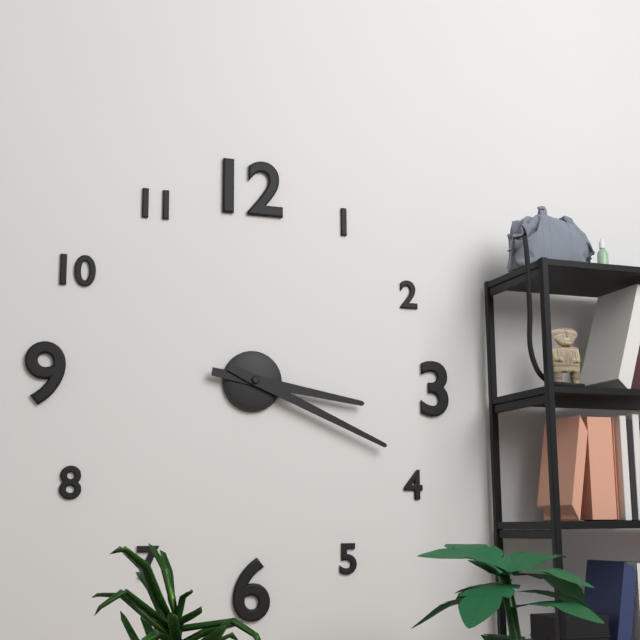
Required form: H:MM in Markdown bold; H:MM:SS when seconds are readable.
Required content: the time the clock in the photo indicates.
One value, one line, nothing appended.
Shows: **3:19**
